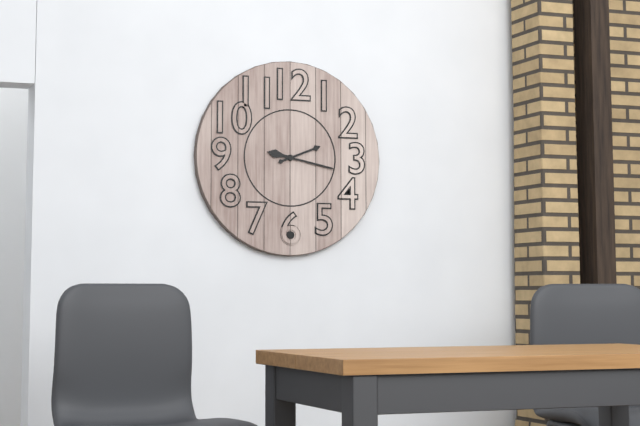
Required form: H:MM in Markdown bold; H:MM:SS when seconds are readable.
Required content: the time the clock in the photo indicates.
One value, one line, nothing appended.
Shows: **2:17**
